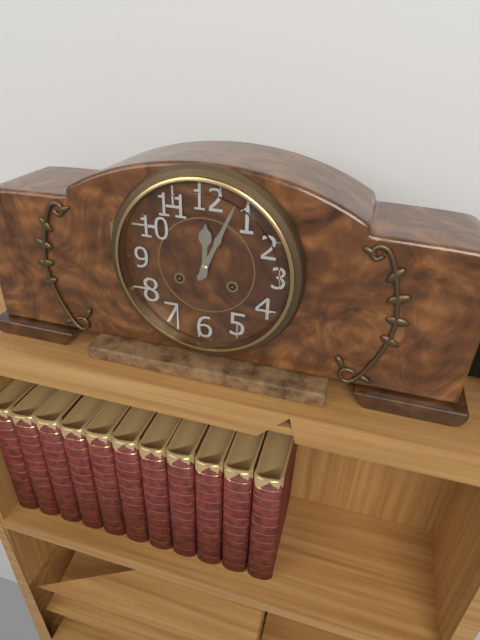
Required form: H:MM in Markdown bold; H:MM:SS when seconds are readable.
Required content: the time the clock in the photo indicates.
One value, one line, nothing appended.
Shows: **12:04**
